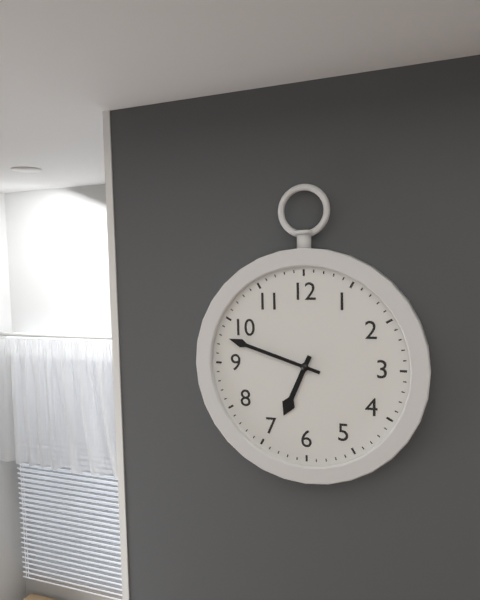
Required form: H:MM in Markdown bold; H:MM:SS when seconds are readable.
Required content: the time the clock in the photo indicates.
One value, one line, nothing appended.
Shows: **6:48**
